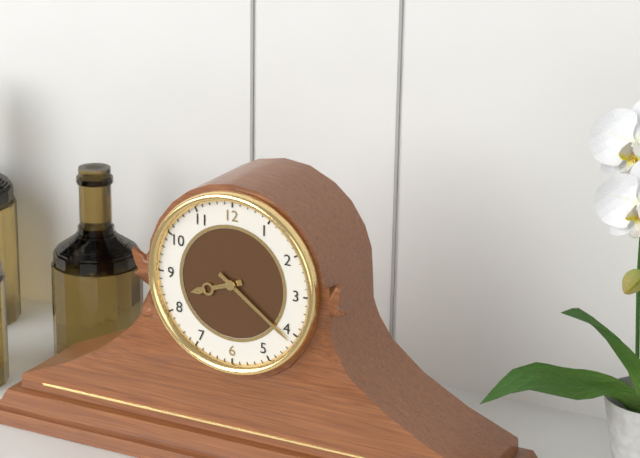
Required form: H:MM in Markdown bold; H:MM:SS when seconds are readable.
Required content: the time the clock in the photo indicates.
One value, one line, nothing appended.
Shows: **8:21**
